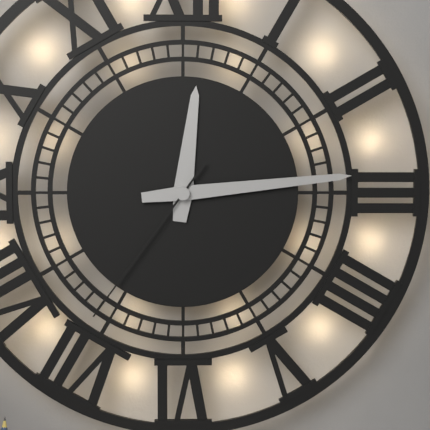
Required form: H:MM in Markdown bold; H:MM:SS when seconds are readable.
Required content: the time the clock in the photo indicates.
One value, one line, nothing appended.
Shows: **12:14:36**
